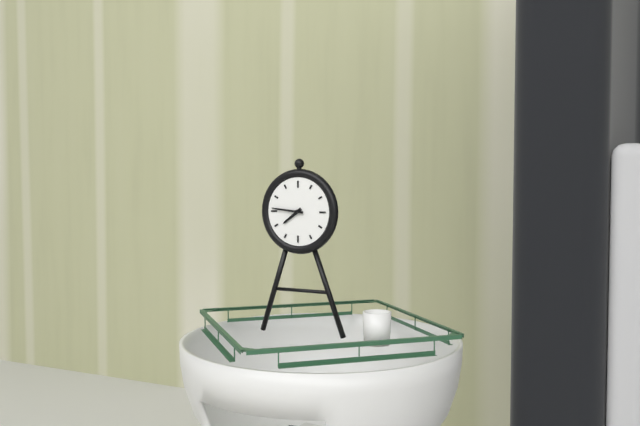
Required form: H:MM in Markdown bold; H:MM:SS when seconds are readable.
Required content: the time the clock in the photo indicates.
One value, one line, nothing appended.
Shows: **7:46**
